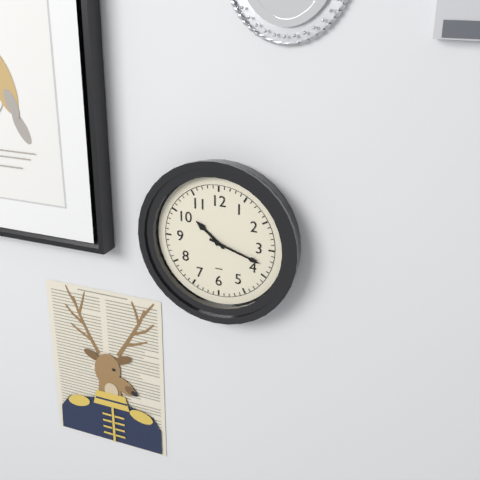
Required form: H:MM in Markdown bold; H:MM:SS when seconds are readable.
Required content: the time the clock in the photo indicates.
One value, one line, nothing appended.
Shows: **10:18**
